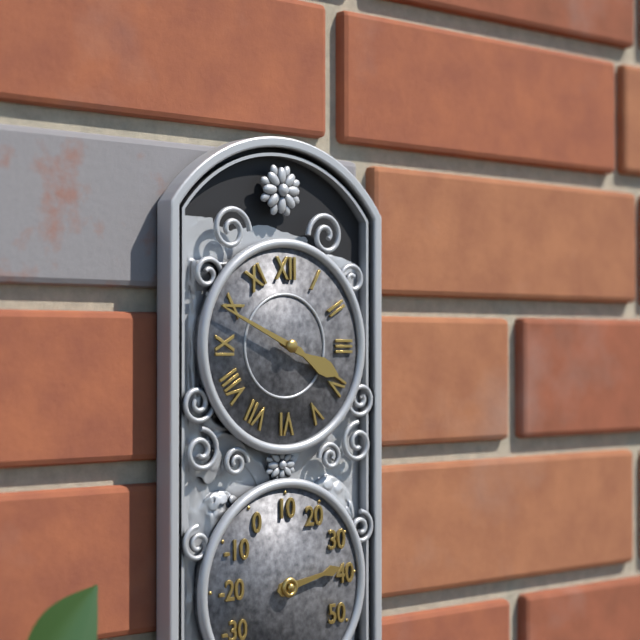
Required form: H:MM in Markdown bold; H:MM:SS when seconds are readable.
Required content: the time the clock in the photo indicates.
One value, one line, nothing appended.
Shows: **3:49**
